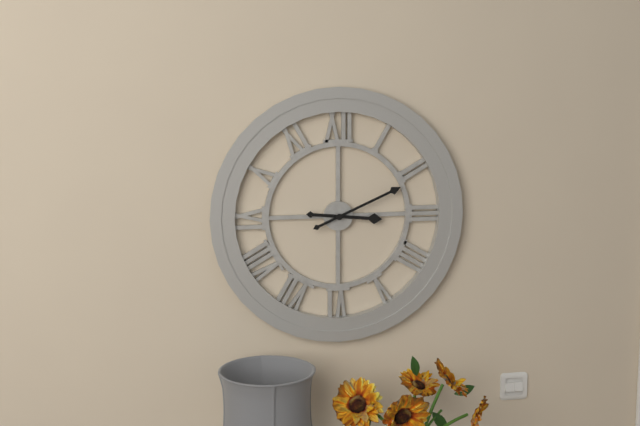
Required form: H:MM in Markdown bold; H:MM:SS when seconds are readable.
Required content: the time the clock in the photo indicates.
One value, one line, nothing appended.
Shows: **3:11**
